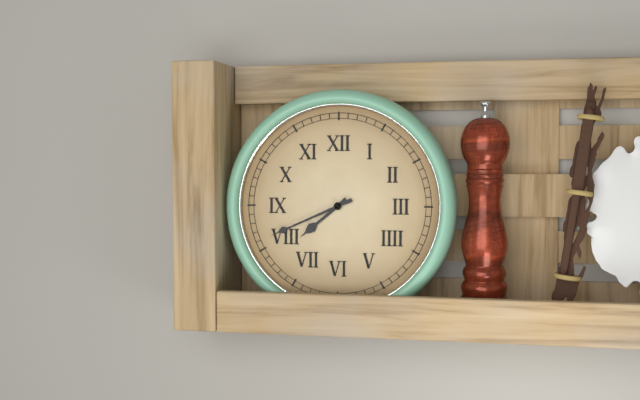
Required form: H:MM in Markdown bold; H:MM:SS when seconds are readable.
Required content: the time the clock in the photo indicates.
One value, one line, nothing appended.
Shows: **7:41**
